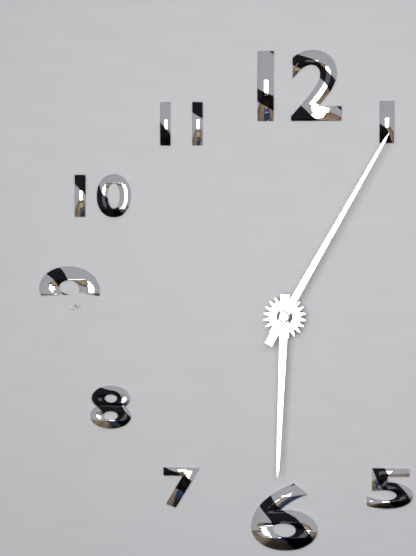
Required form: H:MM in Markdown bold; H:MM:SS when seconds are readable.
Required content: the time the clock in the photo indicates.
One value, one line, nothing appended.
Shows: **6:05**
